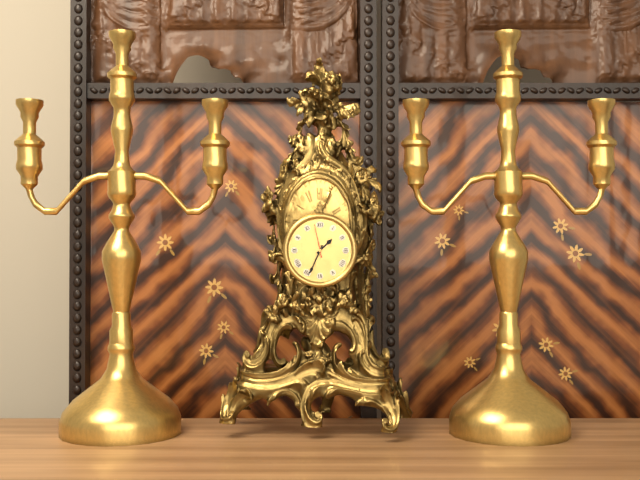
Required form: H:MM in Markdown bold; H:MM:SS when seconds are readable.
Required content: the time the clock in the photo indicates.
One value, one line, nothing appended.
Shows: **1:34**
